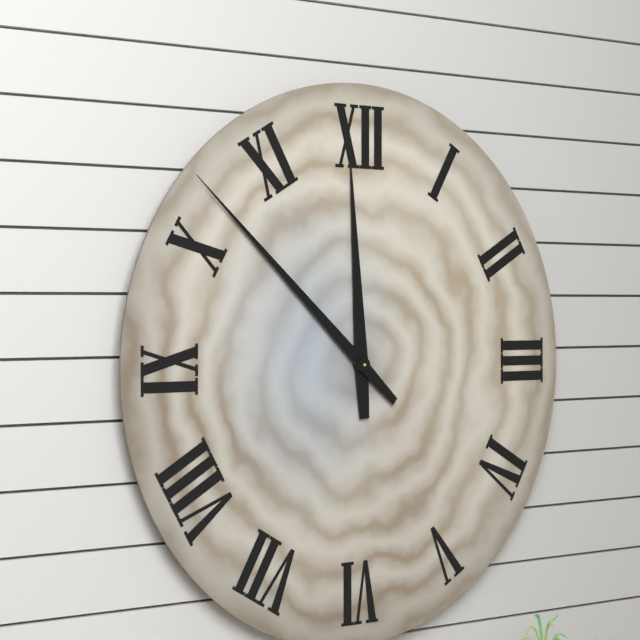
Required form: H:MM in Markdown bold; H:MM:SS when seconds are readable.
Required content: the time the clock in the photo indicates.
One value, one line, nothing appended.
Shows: **11:52**
